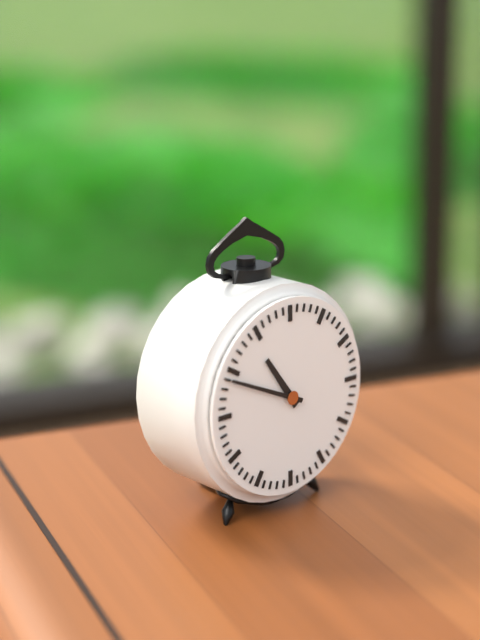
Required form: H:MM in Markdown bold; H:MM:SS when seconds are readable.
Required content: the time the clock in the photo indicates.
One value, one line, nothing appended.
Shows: **10:49**
